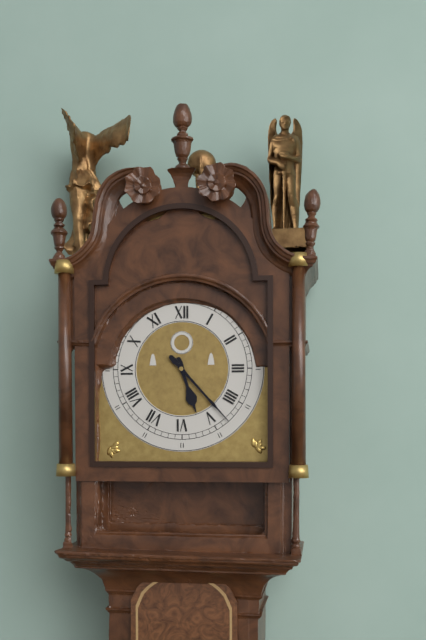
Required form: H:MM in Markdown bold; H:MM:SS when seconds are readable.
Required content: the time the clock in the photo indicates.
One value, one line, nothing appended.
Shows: **5:23**
